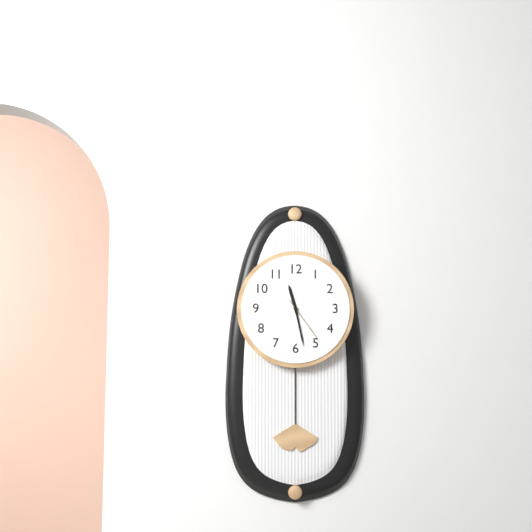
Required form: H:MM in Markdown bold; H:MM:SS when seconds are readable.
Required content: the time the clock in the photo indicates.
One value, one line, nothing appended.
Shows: **11:28:24**
